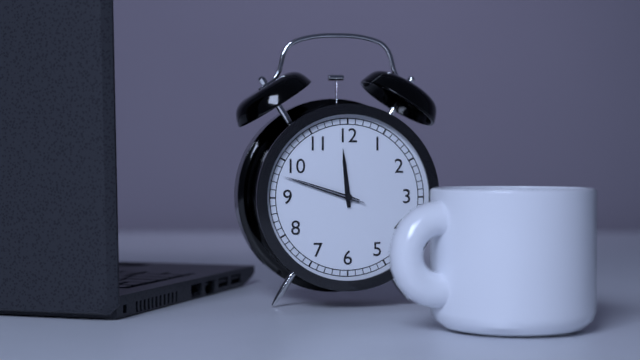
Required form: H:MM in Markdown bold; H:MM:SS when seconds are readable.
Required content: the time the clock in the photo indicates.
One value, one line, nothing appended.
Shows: **11:48:48**
